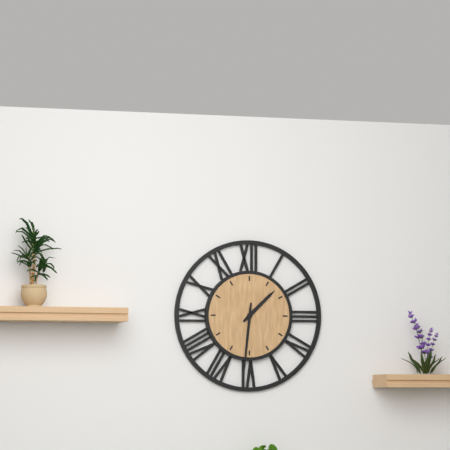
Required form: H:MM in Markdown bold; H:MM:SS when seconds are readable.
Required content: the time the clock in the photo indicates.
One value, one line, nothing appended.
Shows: **1:31**
